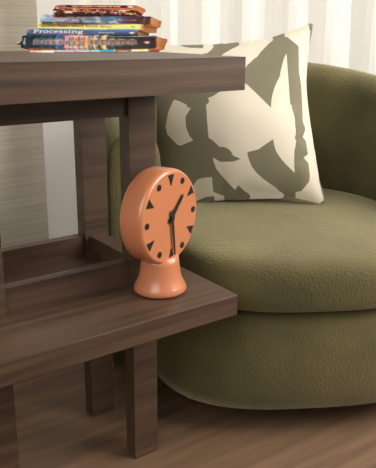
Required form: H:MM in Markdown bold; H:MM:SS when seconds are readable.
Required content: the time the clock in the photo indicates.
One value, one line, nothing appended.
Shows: **1:29**
